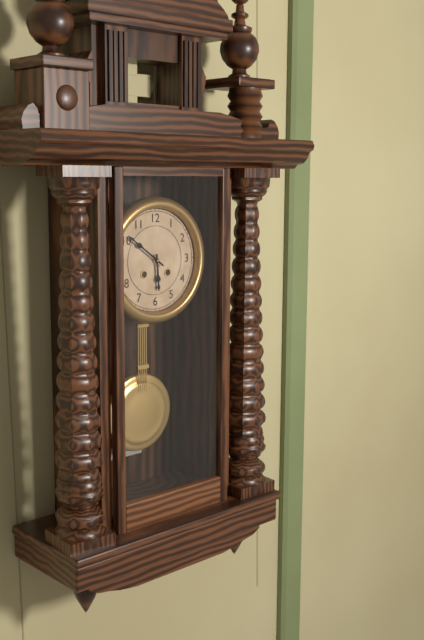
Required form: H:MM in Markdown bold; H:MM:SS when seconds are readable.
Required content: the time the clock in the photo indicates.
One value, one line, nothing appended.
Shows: **5:51**
